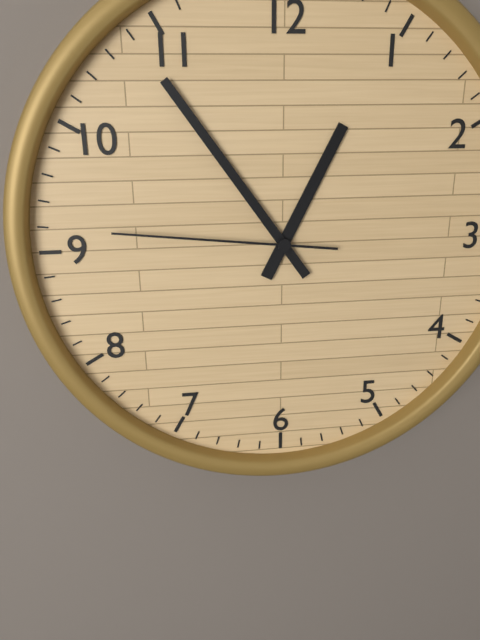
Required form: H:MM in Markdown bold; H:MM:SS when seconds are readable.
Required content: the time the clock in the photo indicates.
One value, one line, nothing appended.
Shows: **12:54:46**
